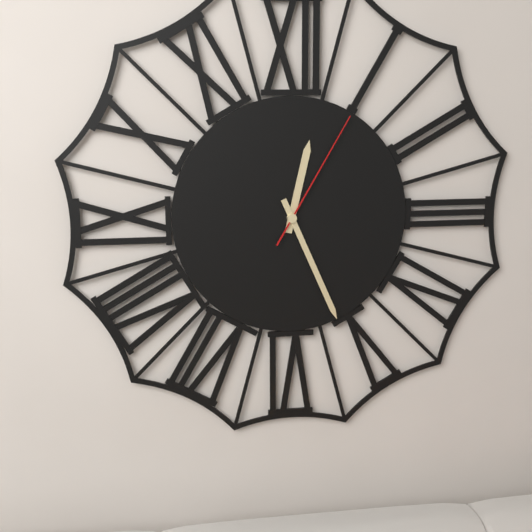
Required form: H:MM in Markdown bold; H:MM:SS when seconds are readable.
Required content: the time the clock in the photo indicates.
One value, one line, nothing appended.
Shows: **12:26:05**
